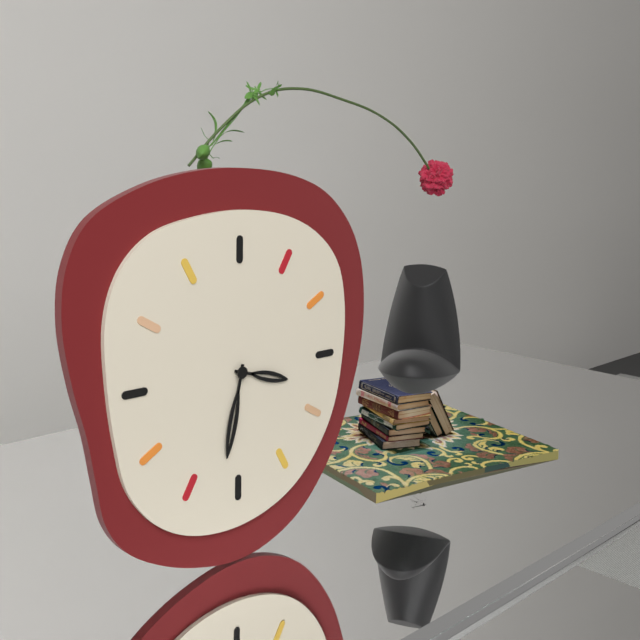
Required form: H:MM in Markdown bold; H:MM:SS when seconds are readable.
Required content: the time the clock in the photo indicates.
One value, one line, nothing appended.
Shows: **3:32**
